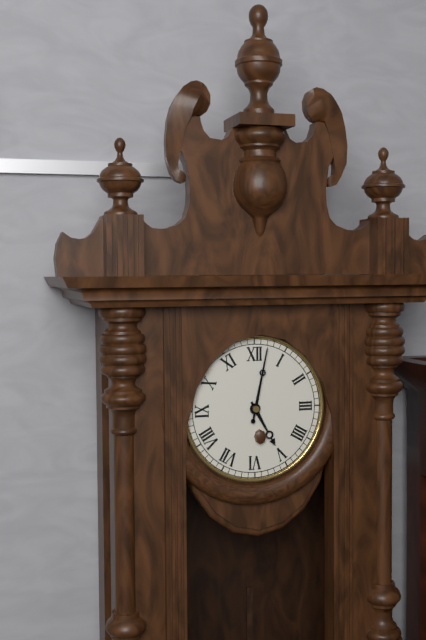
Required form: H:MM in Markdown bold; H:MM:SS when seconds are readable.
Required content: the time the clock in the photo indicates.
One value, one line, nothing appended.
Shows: **5:02**
